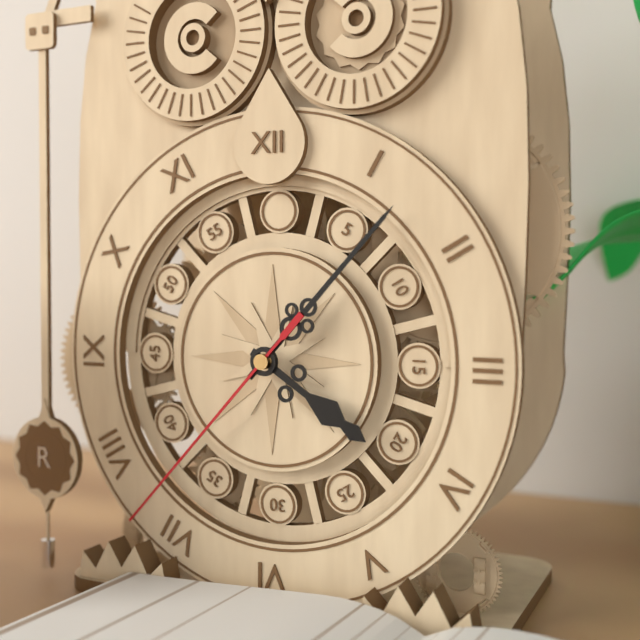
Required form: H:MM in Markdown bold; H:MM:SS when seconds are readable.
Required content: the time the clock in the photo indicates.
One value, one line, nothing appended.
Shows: **4:07:37**
